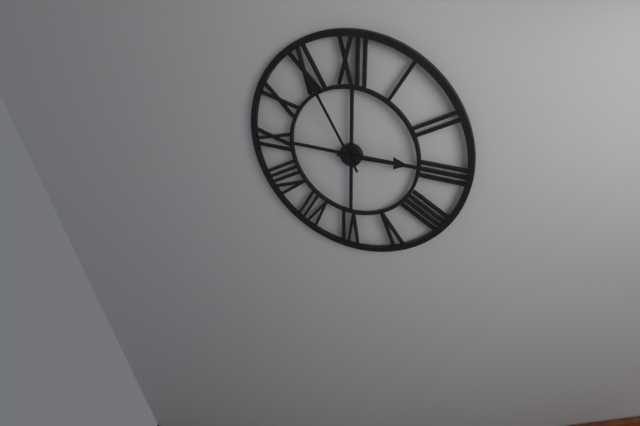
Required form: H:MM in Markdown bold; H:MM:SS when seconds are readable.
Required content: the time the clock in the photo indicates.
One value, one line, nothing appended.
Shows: **2:55**
